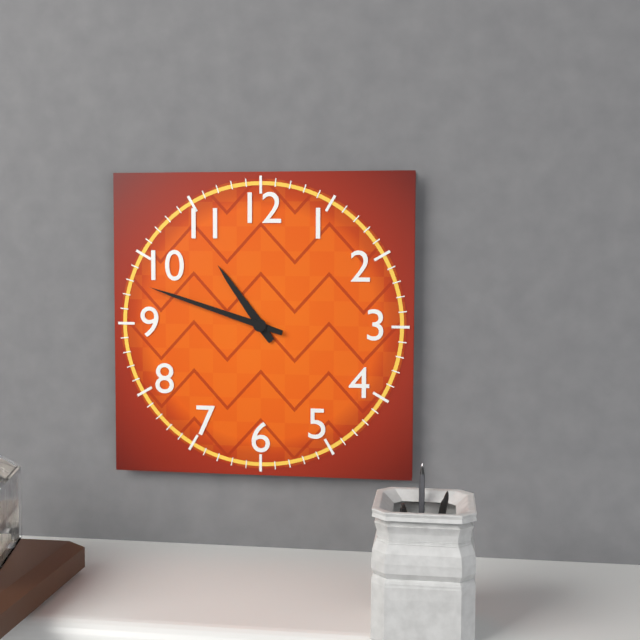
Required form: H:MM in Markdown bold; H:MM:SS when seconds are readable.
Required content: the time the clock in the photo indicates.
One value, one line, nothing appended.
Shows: **10:48**
